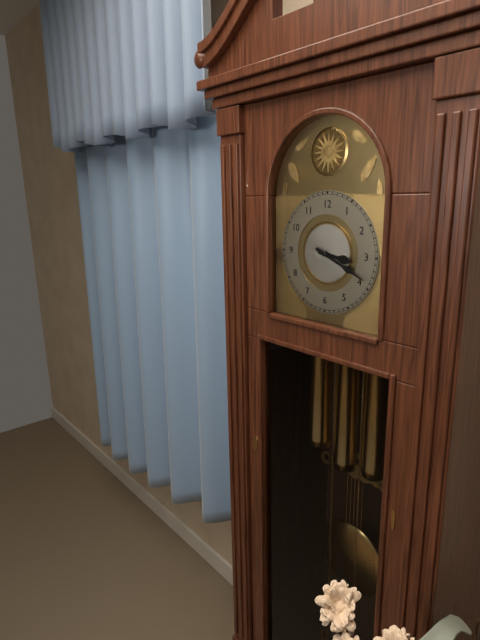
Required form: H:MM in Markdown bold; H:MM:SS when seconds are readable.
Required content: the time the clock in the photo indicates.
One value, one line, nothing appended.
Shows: **3:19**
